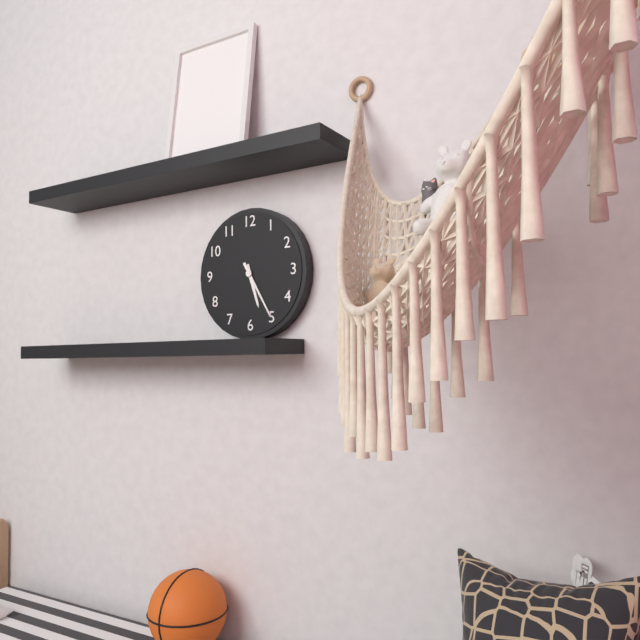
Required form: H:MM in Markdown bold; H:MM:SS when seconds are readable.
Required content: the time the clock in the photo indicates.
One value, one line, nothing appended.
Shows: **5:25**
